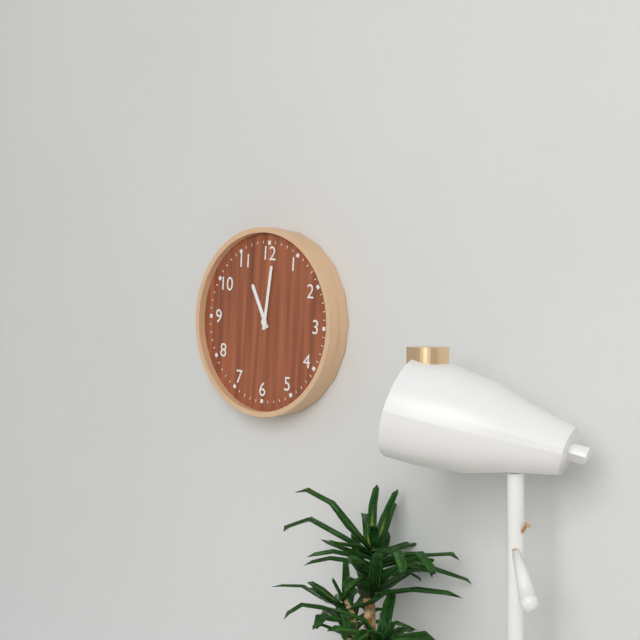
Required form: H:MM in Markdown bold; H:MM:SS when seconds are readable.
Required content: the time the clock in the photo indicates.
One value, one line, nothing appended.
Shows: **11:01**
